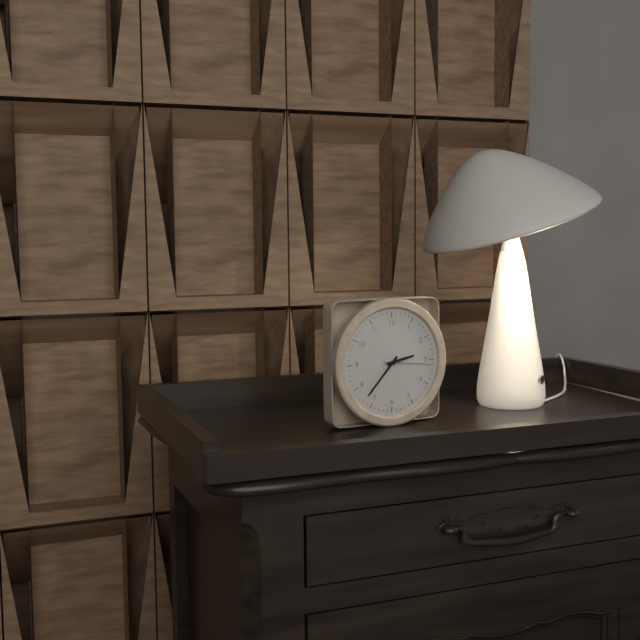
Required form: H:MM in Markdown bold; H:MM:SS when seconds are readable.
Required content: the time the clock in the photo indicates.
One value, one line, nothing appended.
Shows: **2:37:16**
